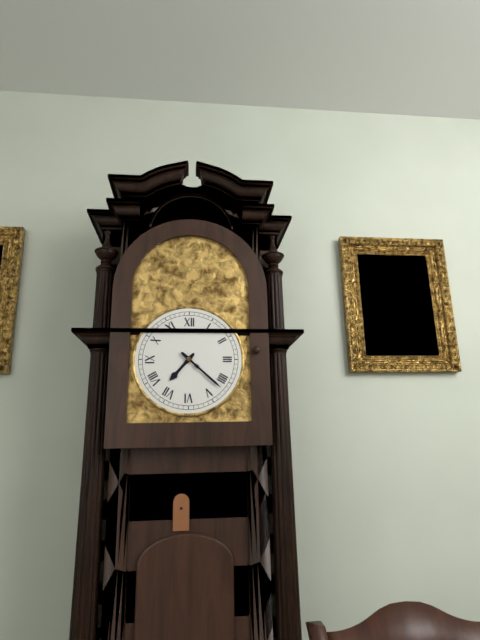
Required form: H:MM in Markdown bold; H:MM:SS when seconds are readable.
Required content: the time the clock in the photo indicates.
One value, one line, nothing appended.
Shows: **7:22**
